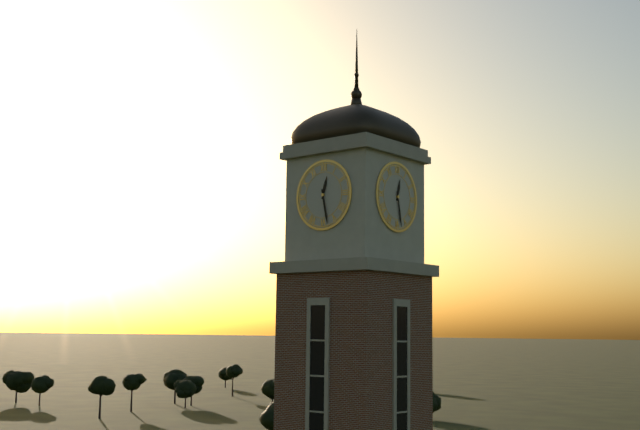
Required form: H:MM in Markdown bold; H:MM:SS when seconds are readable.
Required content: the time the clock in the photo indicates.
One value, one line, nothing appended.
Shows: **12:28**
